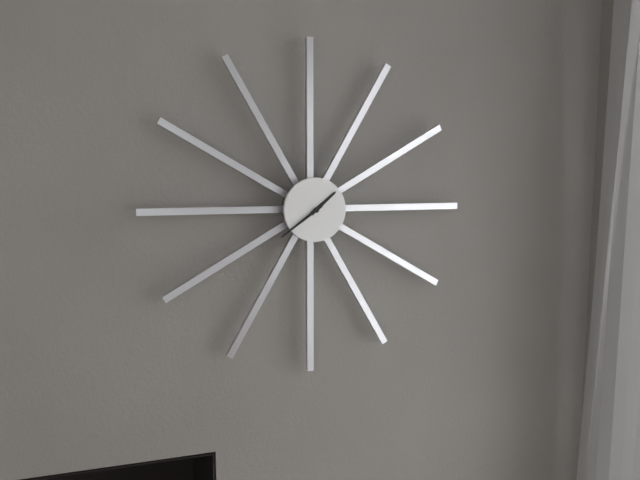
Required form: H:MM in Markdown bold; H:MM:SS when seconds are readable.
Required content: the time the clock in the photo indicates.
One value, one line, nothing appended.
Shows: **1:39**
